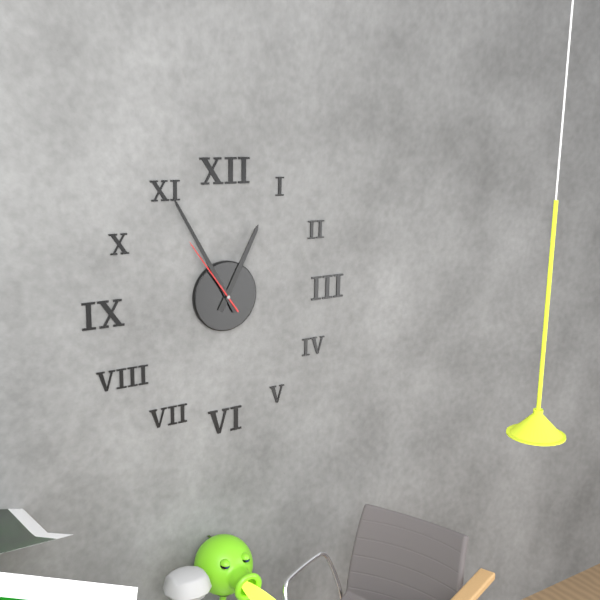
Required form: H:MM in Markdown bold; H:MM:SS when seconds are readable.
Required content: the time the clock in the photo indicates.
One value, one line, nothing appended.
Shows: **12:55:54**
